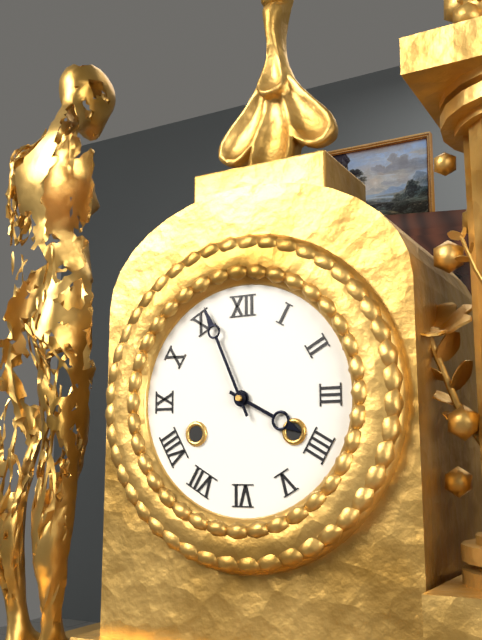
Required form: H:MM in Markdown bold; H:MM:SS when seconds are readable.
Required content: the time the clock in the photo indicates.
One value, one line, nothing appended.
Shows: **3:56**
